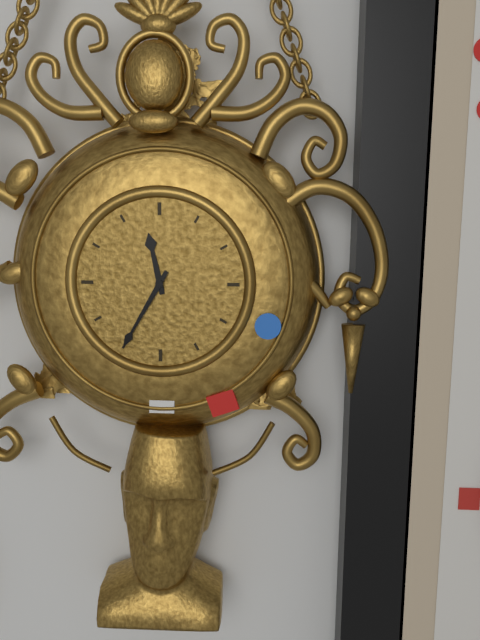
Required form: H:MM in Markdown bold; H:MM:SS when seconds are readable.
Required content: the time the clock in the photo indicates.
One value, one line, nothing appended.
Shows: **11:35**
